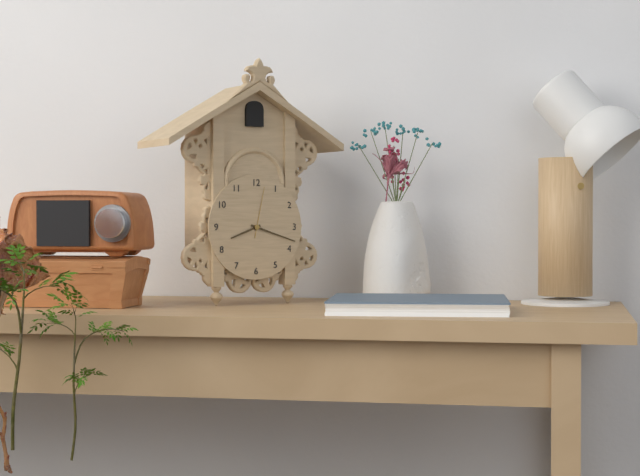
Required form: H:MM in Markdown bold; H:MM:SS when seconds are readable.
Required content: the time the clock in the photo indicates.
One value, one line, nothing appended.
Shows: **8:18:02**
